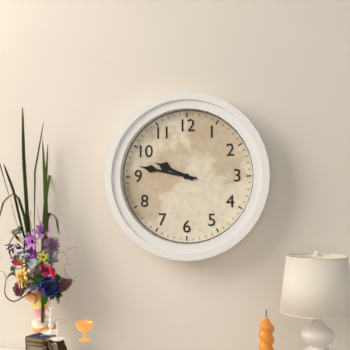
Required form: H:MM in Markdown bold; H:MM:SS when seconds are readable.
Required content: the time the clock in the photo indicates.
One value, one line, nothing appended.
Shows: **9:47**
